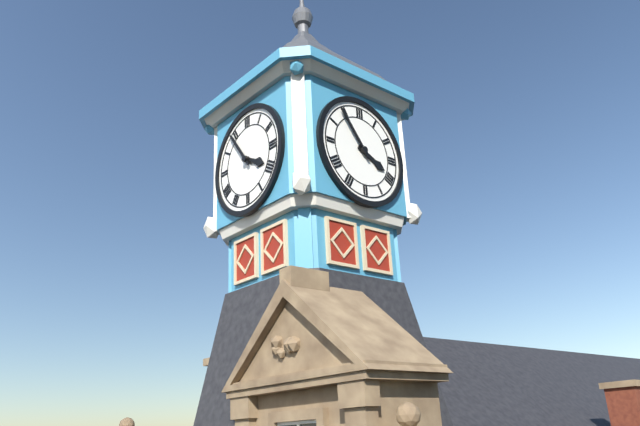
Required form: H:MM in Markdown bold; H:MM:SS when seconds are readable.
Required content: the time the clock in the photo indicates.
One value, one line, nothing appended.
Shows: **3:54**
